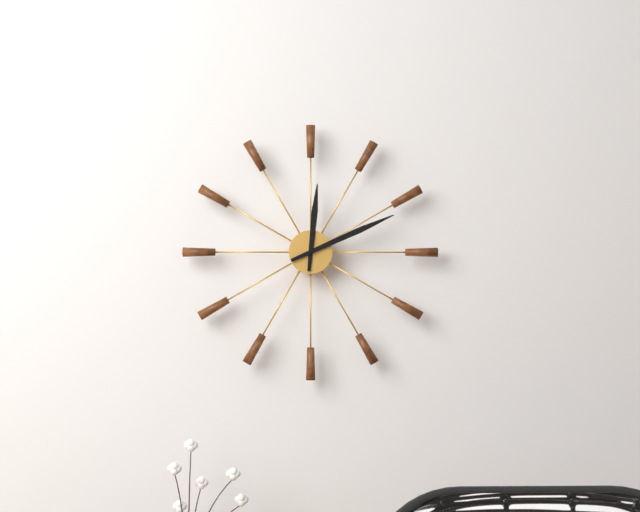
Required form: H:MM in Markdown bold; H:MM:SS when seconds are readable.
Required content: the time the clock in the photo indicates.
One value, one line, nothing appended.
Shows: **12:11**
